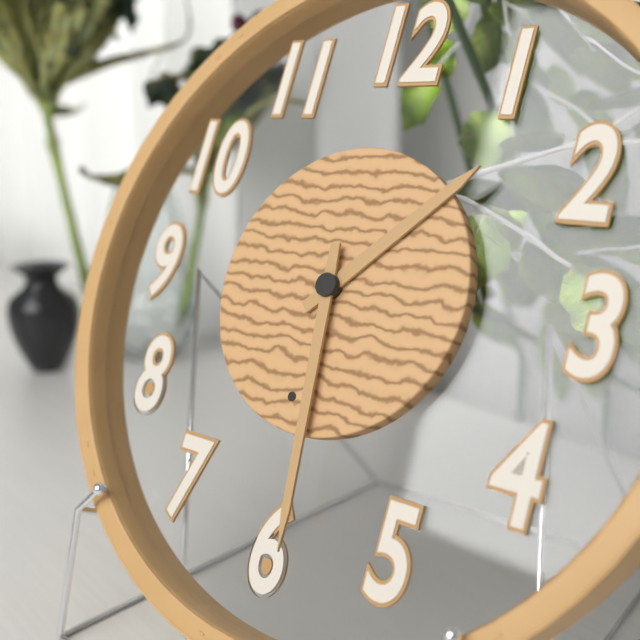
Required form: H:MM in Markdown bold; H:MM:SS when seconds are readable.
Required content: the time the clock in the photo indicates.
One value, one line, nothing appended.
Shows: **1:29**
